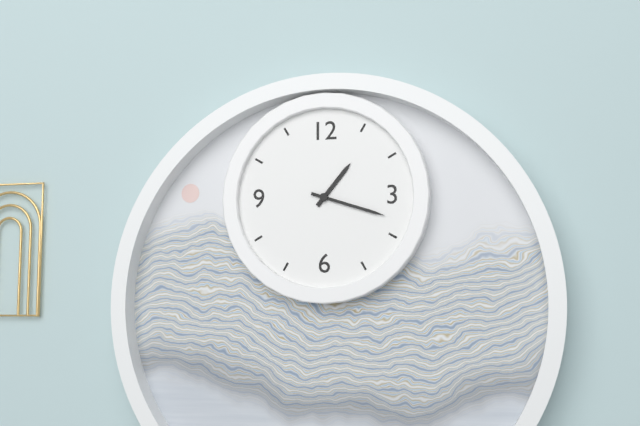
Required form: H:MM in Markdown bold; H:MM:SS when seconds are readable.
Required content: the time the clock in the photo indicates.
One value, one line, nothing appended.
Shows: **1:18**
